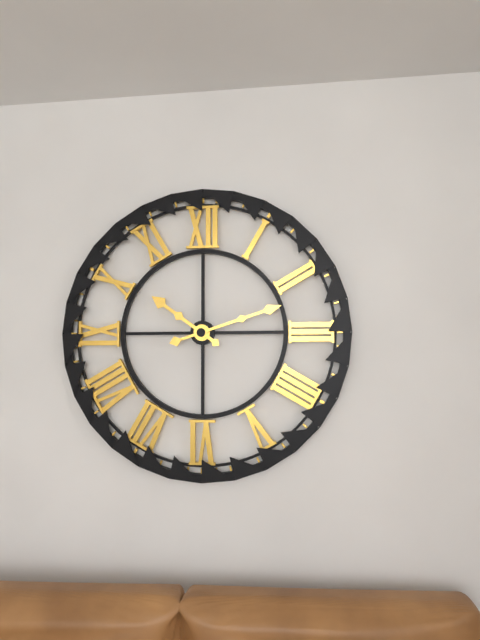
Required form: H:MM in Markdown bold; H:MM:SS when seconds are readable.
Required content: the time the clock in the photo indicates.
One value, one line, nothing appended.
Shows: **10:12**
